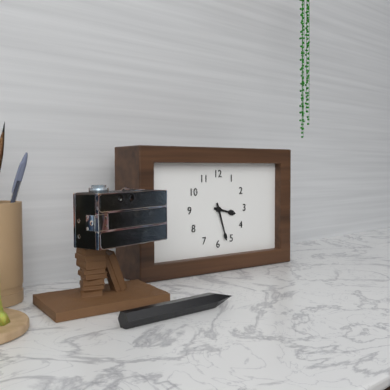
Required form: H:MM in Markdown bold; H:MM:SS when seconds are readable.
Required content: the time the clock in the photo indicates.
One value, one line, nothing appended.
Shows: **3:27**
